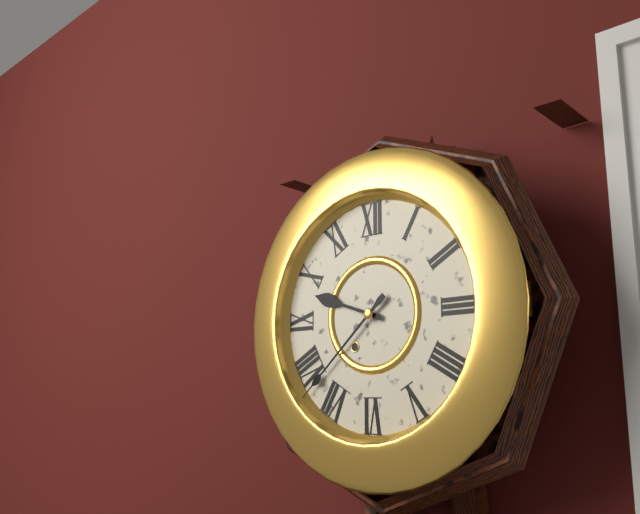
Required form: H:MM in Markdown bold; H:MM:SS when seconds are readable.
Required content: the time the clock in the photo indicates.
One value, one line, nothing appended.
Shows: **9:38**
